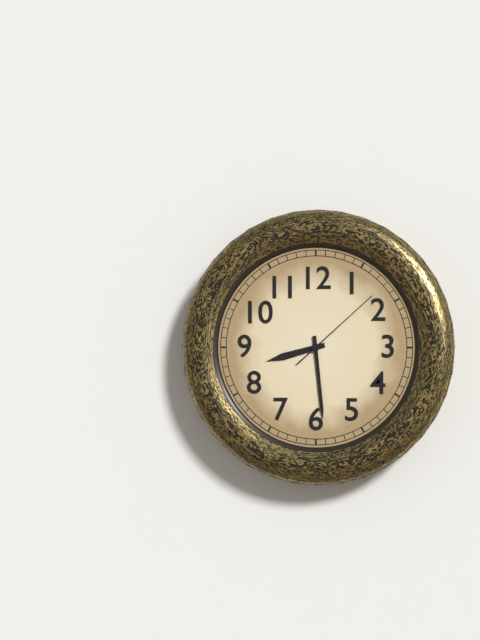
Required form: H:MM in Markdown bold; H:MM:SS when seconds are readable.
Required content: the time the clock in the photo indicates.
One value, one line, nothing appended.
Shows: **8:29:08**
